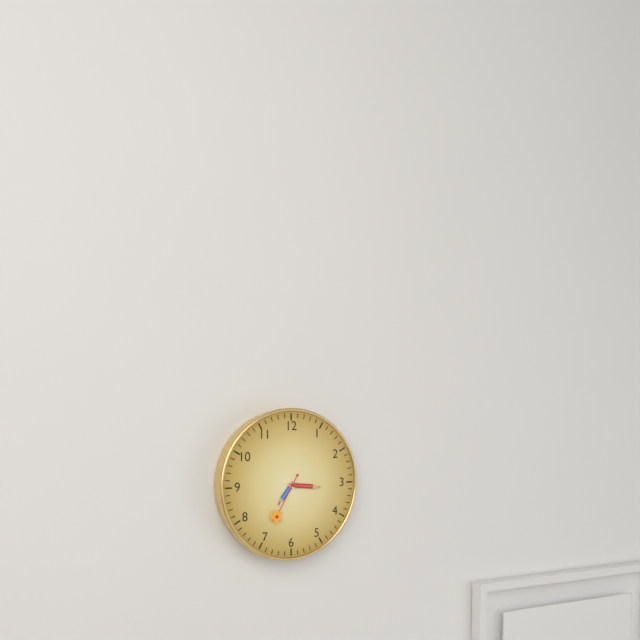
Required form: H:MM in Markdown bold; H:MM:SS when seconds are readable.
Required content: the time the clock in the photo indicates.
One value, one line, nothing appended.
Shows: **7:16:35**
